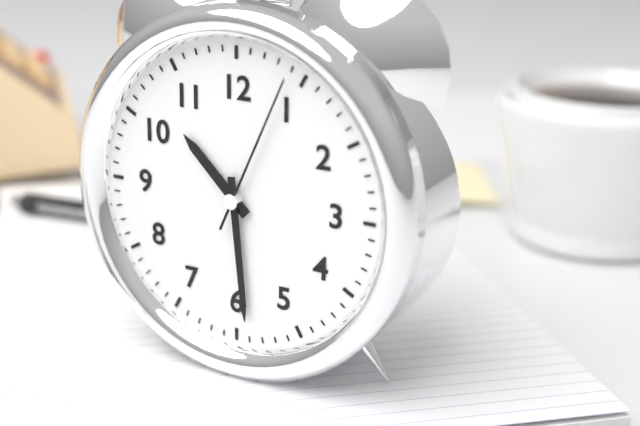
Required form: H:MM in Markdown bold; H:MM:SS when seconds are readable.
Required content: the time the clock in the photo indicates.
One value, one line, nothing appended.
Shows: **10:29:04**
